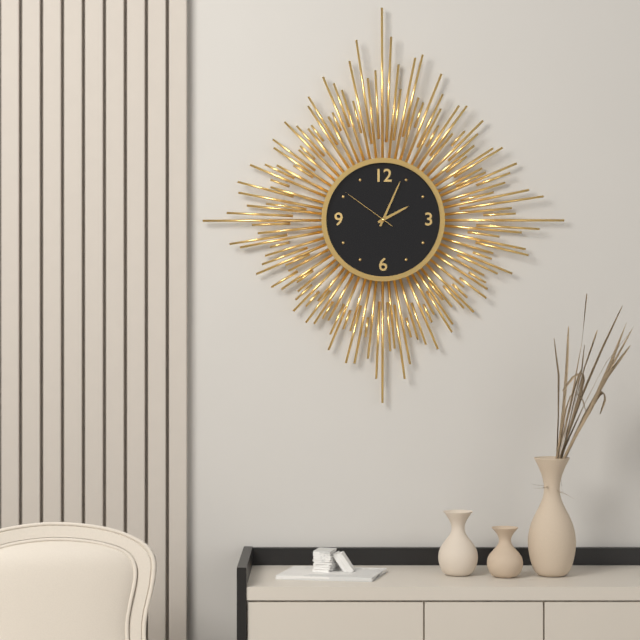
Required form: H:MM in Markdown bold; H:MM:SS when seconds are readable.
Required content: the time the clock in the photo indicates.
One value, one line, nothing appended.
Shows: **2:04:51**
